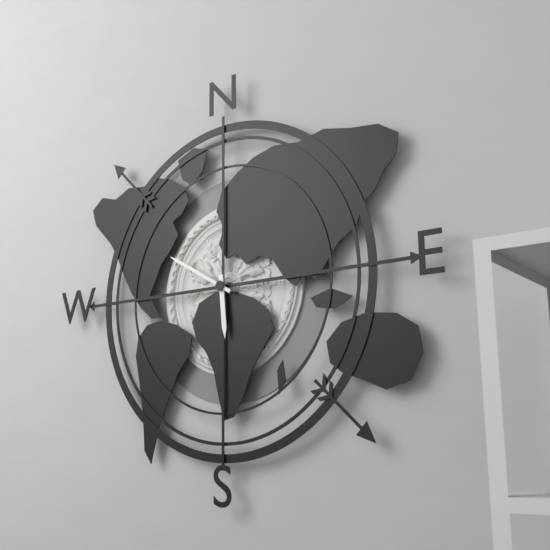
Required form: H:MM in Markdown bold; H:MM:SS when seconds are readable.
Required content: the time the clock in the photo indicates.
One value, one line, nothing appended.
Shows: **5:50**
